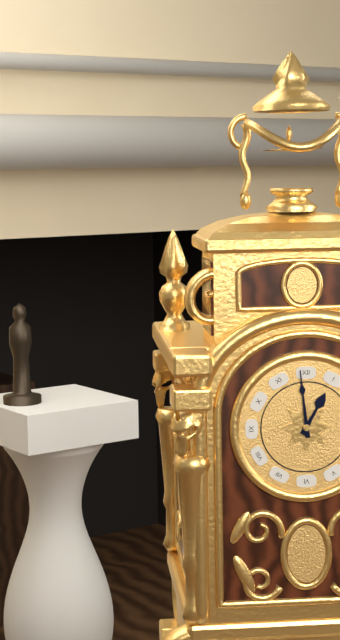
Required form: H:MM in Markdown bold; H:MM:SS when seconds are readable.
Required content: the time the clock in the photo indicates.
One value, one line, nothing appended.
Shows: **12:59**
